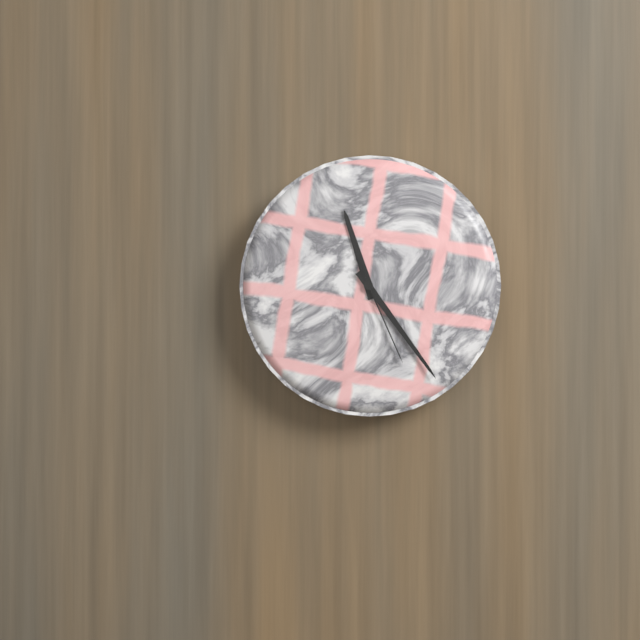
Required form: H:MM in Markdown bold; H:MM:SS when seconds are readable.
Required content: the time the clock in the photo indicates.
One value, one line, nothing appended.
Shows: **11:24:26**
